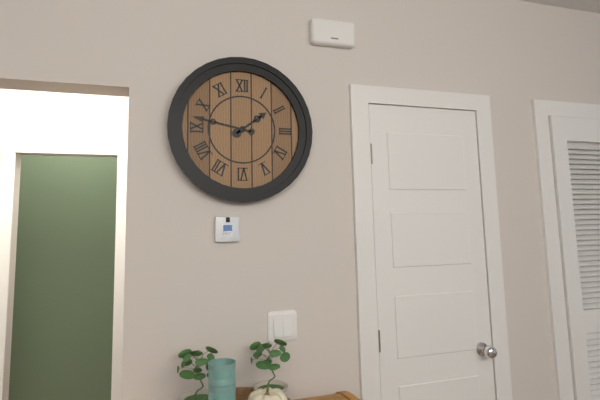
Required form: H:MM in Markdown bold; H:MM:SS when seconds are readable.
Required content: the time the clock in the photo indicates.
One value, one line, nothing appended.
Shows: **1:47**
